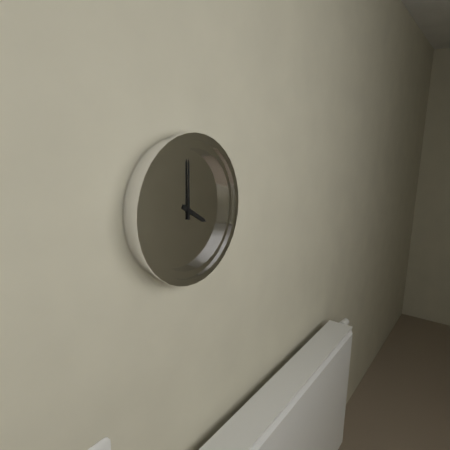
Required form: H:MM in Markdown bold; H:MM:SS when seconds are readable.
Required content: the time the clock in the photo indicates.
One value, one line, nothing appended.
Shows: **4:00**
